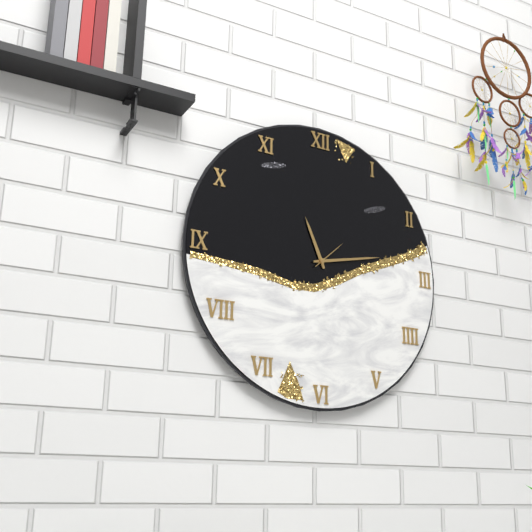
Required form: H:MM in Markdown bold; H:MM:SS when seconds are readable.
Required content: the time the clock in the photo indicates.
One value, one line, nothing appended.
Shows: **11:13**
